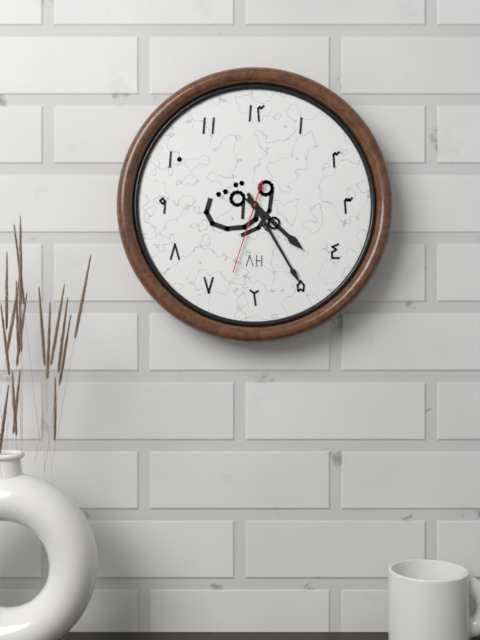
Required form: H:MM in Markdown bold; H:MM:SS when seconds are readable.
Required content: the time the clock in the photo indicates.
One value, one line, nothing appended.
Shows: **4:25:33**
